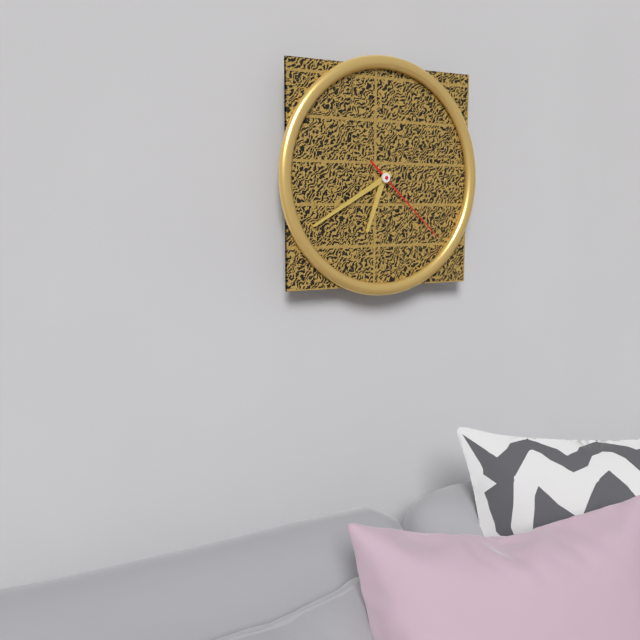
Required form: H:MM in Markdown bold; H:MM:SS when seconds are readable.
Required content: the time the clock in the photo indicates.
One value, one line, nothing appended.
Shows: **6:40:22**
